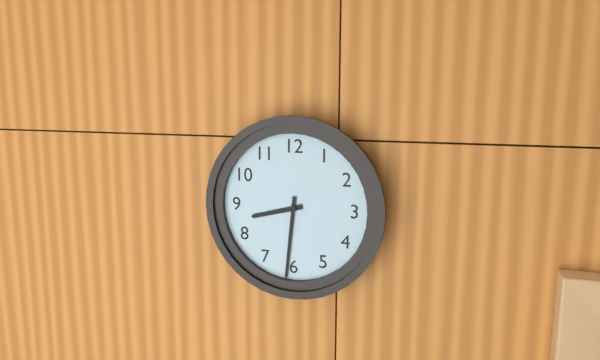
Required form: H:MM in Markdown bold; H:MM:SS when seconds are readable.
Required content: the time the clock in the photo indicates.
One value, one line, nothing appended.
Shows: **8:31**
